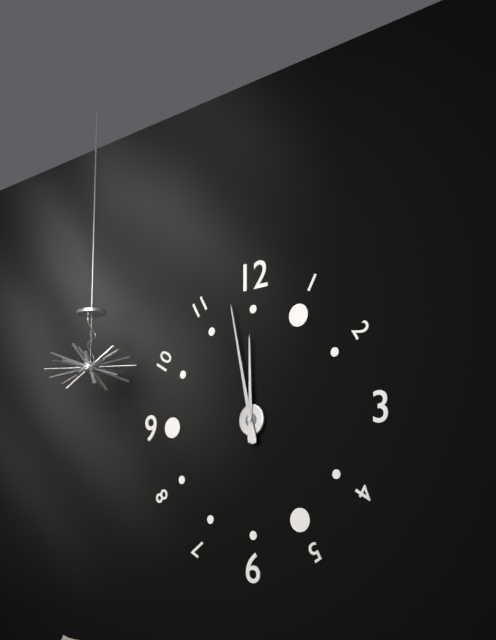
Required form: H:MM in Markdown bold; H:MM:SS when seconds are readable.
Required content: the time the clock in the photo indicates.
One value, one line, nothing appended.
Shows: **11:58**
